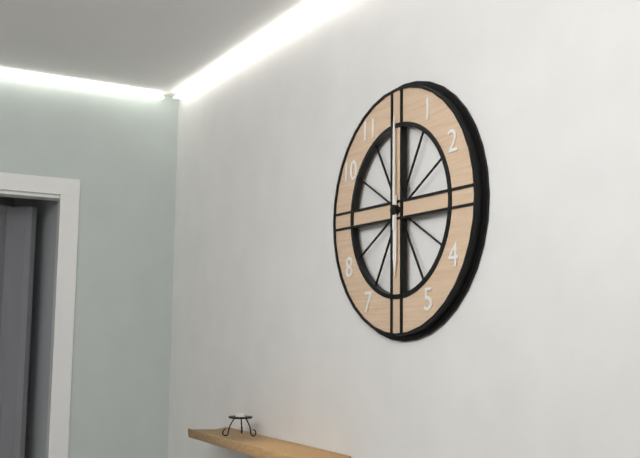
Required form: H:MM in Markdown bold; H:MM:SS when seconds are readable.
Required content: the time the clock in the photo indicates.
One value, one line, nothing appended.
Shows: **6:00**
